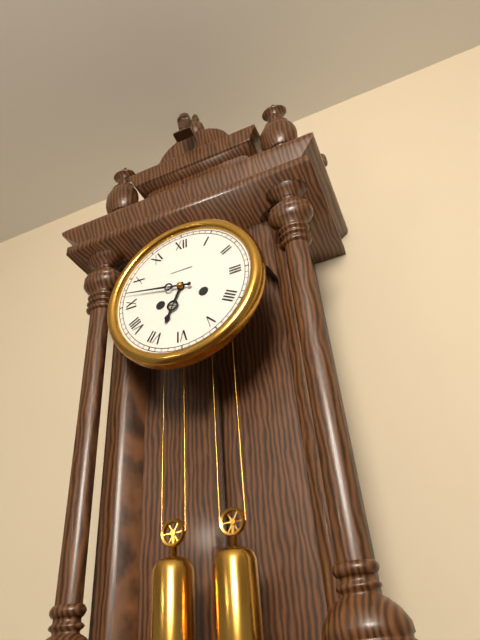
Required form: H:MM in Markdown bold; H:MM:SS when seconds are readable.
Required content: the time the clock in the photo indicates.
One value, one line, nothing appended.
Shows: **6:47**
